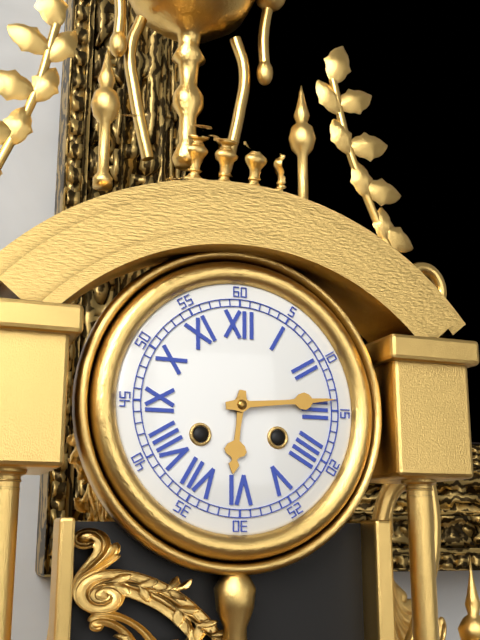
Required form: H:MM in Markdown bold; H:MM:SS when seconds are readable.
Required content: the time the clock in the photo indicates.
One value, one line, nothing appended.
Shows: **6:14**
